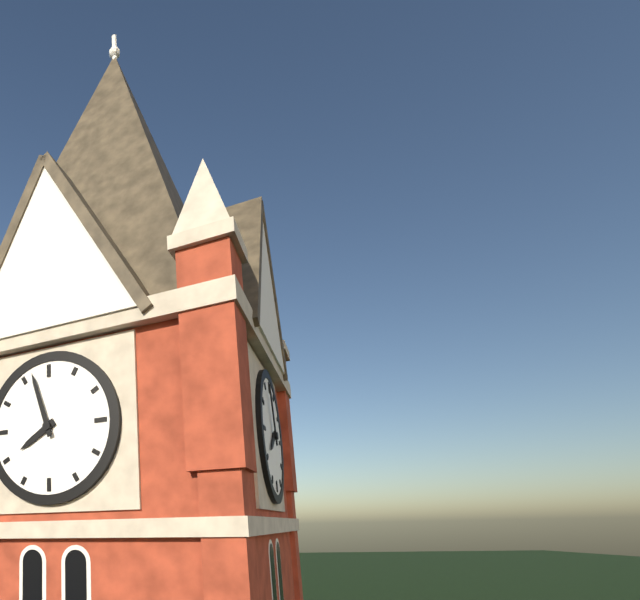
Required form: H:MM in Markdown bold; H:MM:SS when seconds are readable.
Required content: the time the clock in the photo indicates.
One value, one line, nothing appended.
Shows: **7:57**
